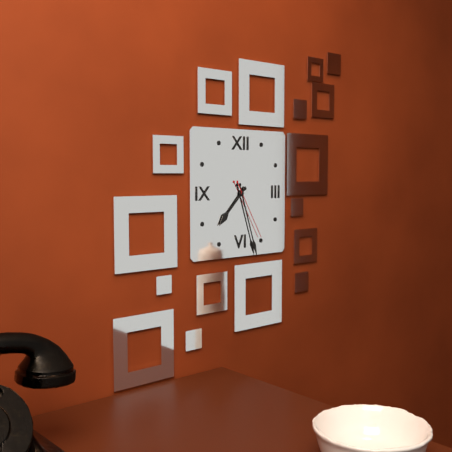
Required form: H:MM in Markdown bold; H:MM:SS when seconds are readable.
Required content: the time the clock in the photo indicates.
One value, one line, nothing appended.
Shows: **7:27:25**
